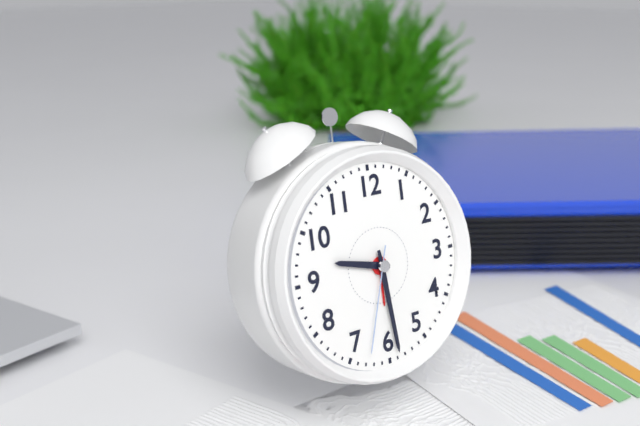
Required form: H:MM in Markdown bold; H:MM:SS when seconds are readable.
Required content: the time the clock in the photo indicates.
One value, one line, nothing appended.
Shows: **9:29:33**
